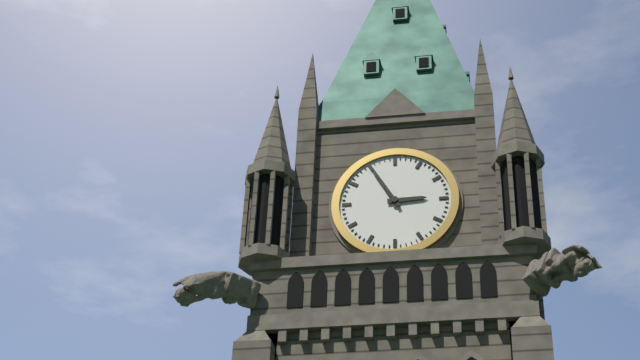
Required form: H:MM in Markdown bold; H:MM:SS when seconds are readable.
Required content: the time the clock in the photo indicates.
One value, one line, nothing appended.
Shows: **2:55**
